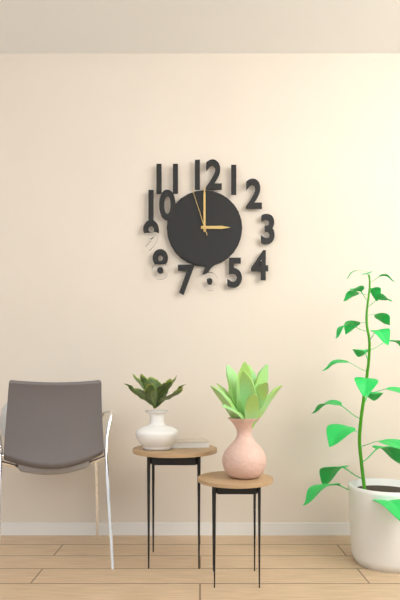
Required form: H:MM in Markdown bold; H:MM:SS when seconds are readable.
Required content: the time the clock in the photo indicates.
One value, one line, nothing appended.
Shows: **3:00:57**
